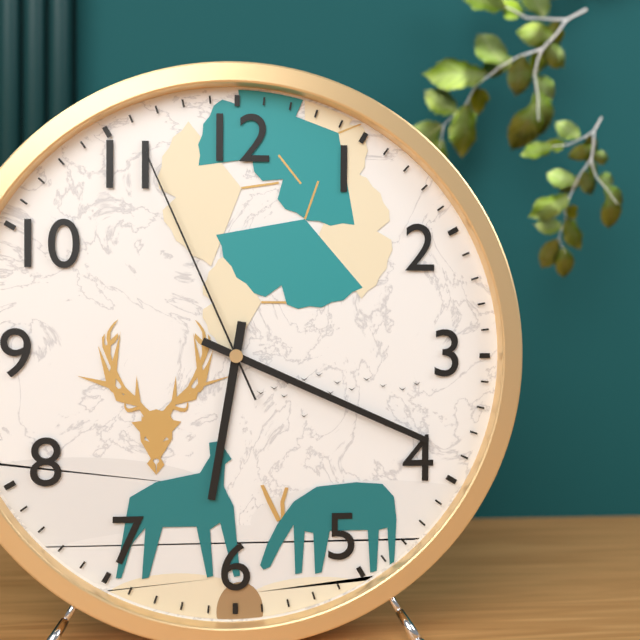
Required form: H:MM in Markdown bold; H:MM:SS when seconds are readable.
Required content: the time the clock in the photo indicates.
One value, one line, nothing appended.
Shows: **6:19:56**
